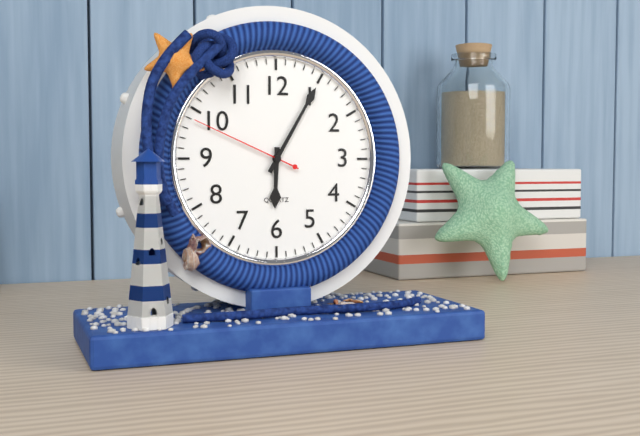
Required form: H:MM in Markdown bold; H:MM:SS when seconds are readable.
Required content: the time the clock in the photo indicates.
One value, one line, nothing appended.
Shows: **6:05:49**
